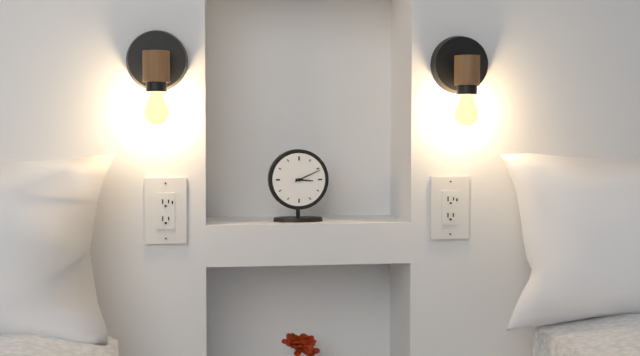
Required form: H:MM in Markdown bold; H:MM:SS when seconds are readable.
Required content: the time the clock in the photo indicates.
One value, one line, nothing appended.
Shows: **3:11**
